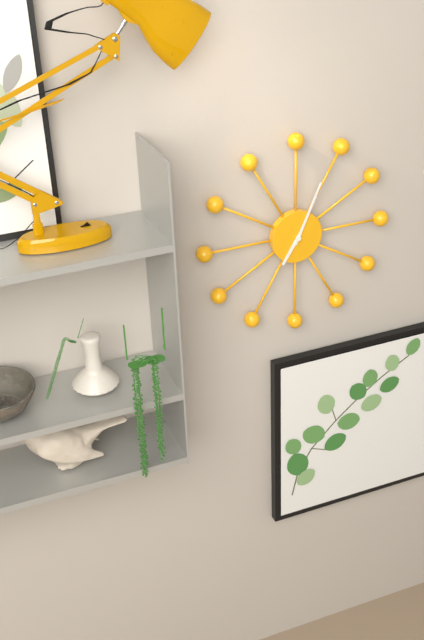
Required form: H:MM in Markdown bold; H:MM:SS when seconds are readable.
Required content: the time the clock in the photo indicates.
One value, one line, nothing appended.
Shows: **7:04**
